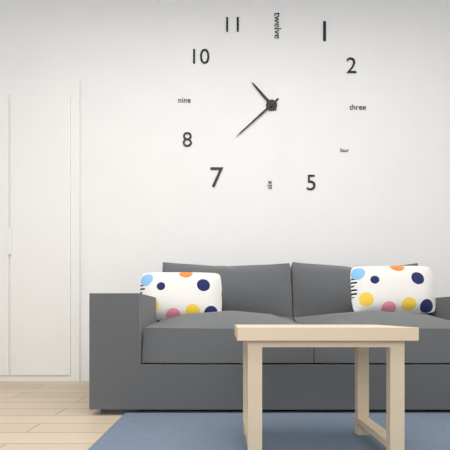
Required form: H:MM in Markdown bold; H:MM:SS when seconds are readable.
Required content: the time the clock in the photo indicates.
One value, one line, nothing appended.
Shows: **10:38**
